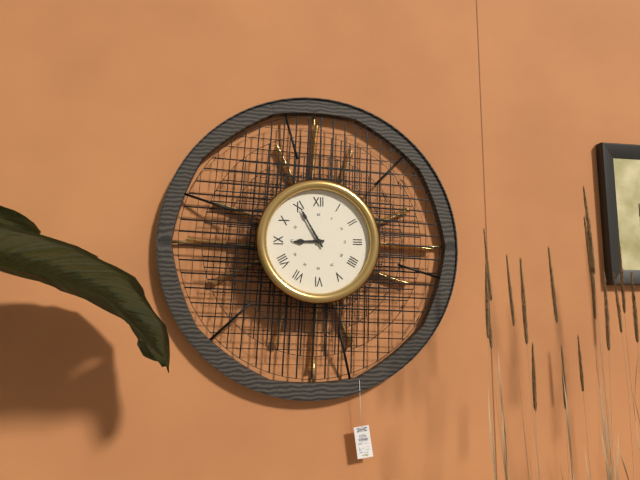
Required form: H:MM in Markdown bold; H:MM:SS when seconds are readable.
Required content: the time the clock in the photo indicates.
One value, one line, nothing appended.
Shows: **8:55**
